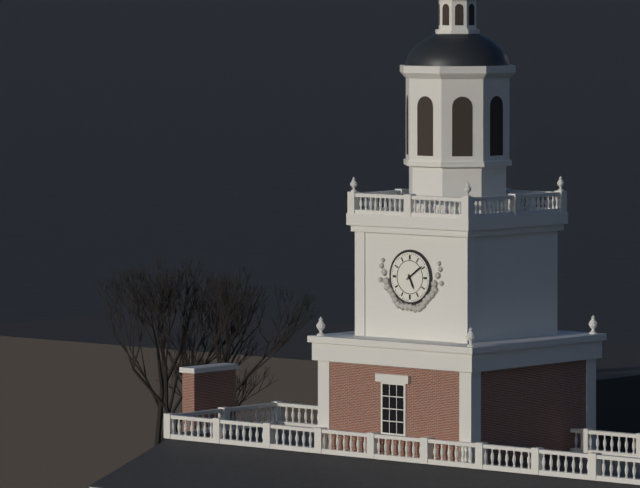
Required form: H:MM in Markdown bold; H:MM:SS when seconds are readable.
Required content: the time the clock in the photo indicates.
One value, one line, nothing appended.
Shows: **5:09**
